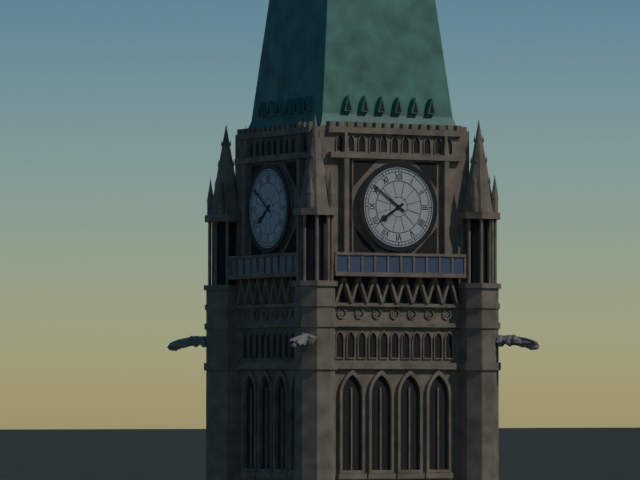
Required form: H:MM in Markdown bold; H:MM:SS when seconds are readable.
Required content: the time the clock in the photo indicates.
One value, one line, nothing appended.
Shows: **7:51**
